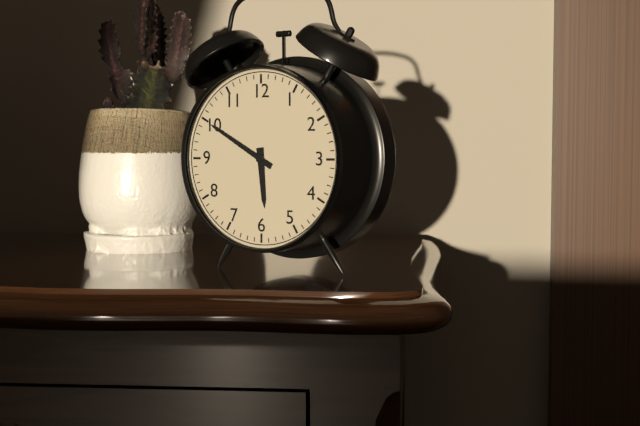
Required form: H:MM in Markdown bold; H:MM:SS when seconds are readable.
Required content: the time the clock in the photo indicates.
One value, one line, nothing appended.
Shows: **5:50**
